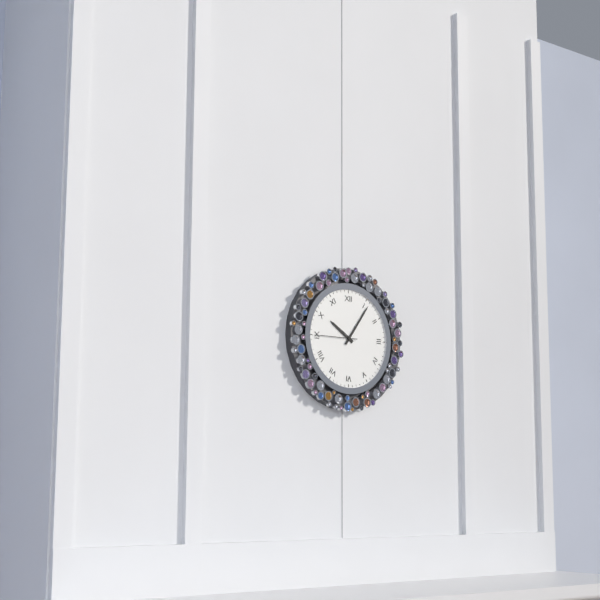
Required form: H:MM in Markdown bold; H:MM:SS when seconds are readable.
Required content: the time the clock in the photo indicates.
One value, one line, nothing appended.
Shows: **10:06**
